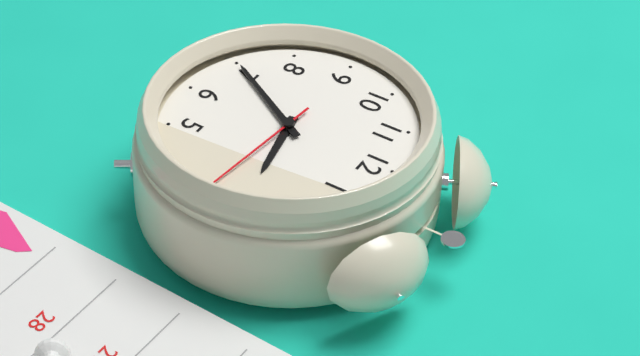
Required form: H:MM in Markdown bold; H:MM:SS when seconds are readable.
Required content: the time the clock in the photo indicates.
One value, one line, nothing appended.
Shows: **2:35:16**
